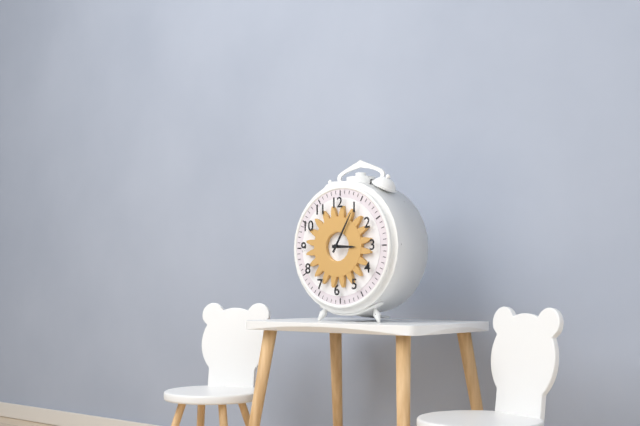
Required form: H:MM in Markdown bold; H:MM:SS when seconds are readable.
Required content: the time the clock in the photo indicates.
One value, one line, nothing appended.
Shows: **3:05**
